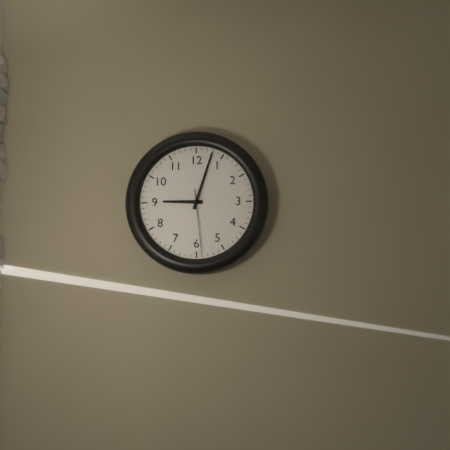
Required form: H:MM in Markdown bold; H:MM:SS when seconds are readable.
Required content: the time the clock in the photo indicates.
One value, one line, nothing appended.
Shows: **9:03:29**
